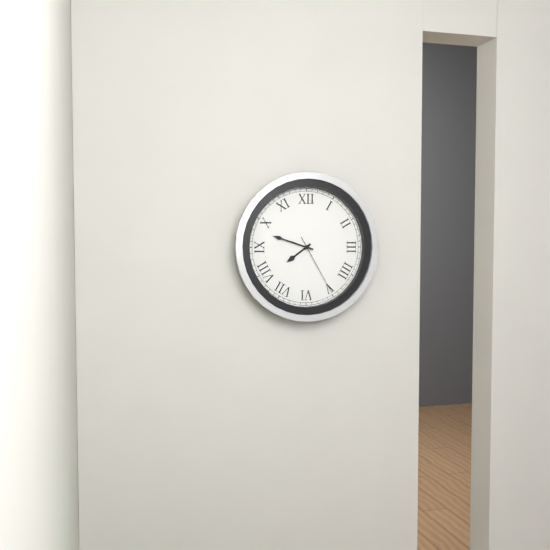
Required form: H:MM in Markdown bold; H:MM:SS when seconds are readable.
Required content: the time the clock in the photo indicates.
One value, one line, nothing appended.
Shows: **7:48:25**
